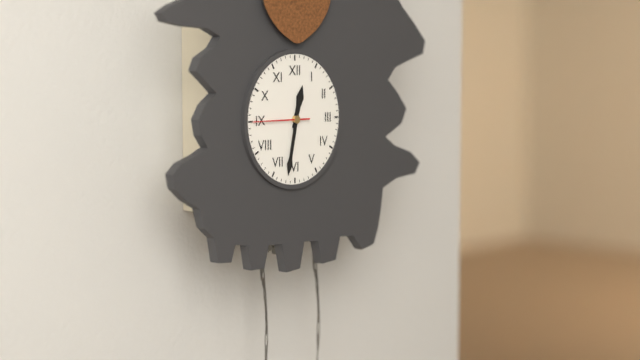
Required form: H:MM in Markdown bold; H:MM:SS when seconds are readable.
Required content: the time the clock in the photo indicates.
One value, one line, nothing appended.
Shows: **12:32:45**
